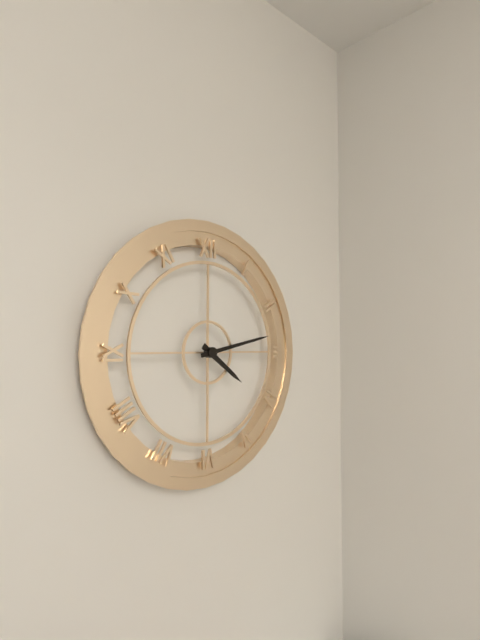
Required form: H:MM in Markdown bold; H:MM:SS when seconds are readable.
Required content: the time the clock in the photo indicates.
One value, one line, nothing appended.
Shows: **4:13**
